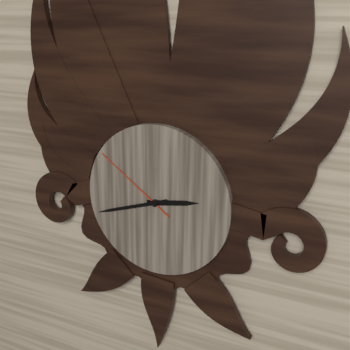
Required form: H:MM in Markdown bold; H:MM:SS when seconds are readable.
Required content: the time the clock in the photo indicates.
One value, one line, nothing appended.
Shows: **2:42:51**
